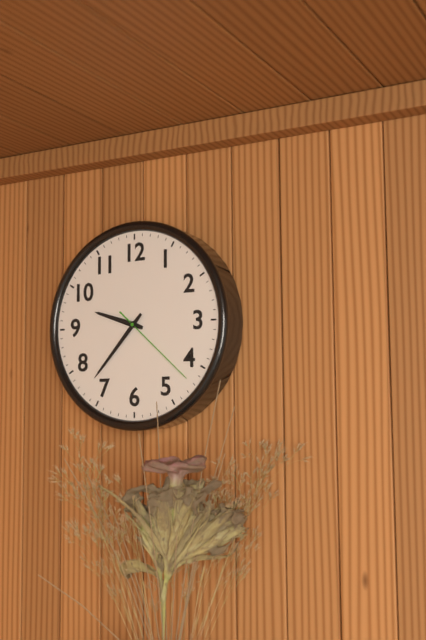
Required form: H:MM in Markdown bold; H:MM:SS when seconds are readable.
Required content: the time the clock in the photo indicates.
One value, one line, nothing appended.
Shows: **9:37:22**
